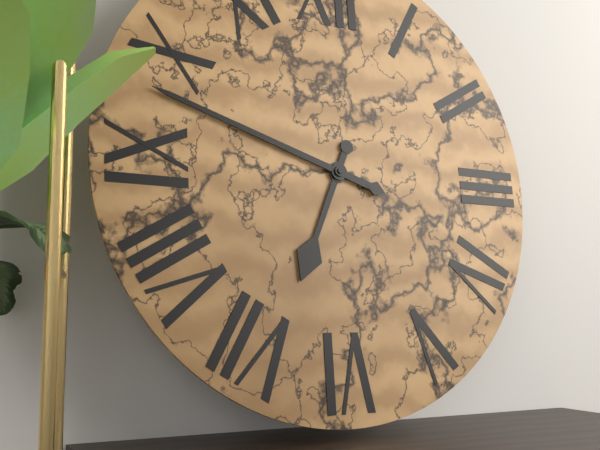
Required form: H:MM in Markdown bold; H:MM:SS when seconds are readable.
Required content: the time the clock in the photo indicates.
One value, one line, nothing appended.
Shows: **6:48**
